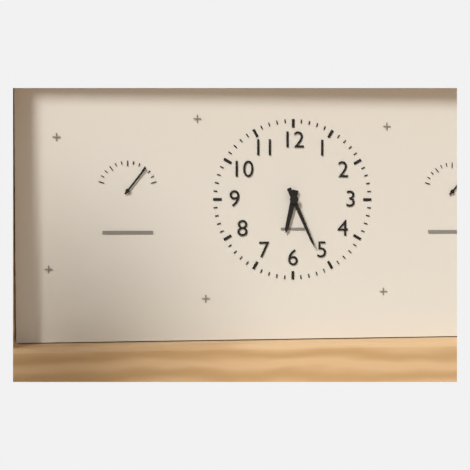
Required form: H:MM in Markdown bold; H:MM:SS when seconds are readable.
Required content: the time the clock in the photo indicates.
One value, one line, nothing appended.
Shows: **6:26**
